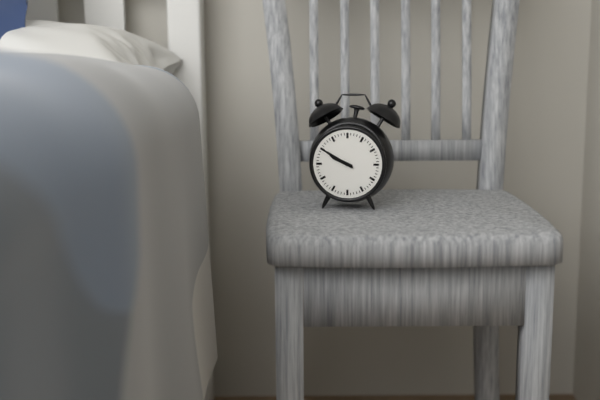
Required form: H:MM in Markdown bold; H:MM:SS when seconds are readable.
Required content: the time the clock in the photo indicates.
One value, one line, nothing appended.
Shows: **9:50**
